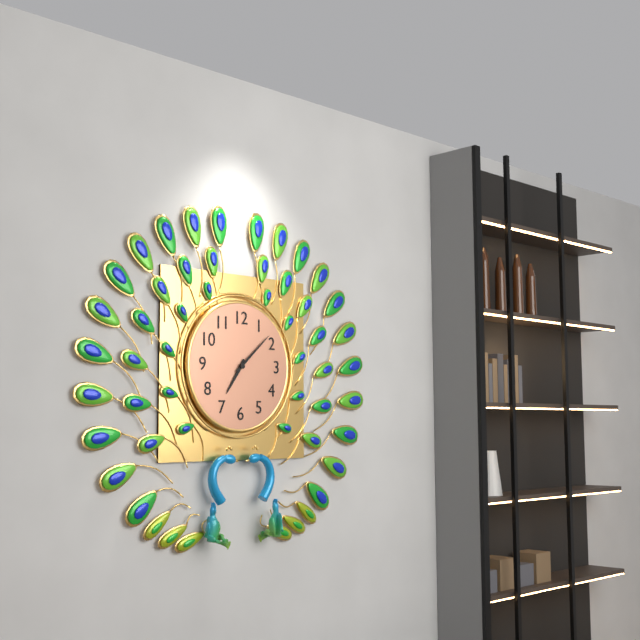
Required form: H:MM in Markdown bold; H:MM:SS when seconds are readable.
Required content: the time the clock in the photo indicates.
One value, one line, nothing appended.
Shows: **7:08**
